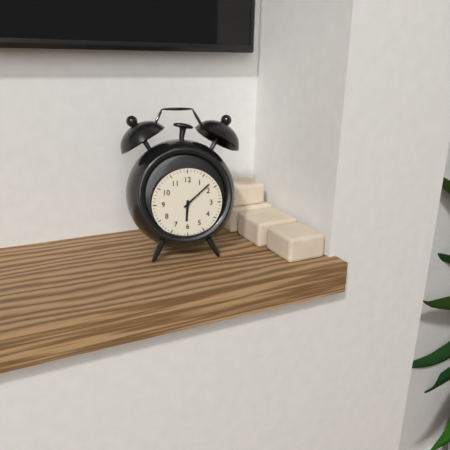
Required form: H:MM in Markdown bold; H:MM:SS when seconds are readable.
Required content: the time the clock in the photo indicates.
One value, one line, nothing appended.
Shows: **6:08**
